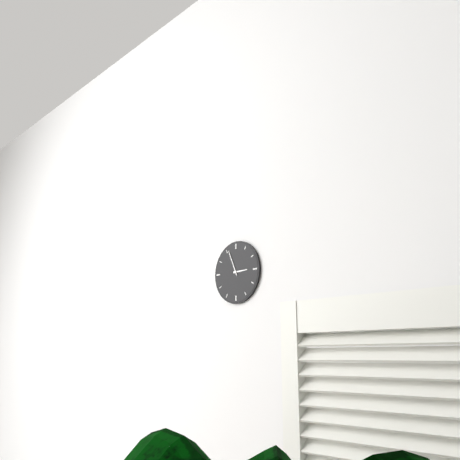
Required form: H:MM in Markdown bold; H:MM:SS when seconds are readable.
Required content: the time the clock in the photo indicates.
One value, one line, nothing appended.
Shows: **2:56**
